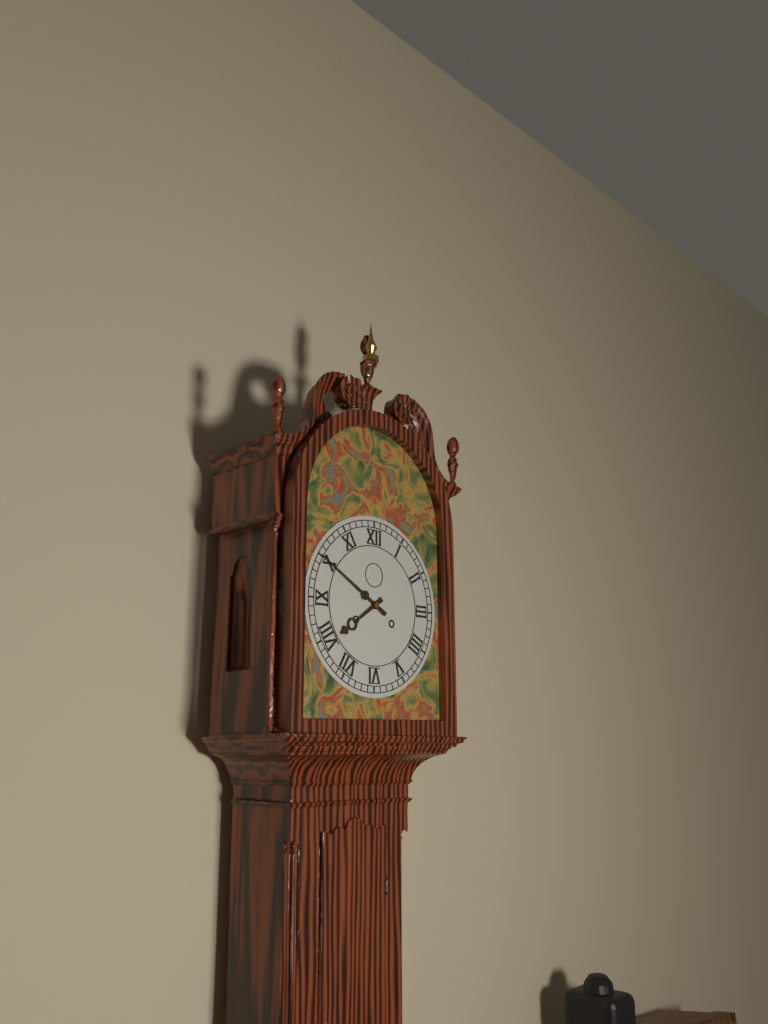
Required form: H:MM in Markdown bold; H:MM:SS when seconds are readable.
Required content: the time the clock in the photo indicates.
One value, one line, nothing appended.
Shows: **7:50**
